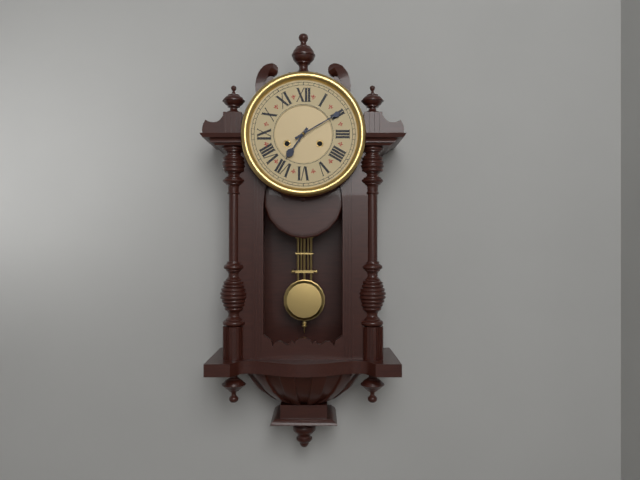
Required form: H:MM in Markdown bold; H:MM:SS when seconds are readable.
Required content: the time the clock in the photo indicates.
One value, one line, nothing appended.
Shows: **7:10**
